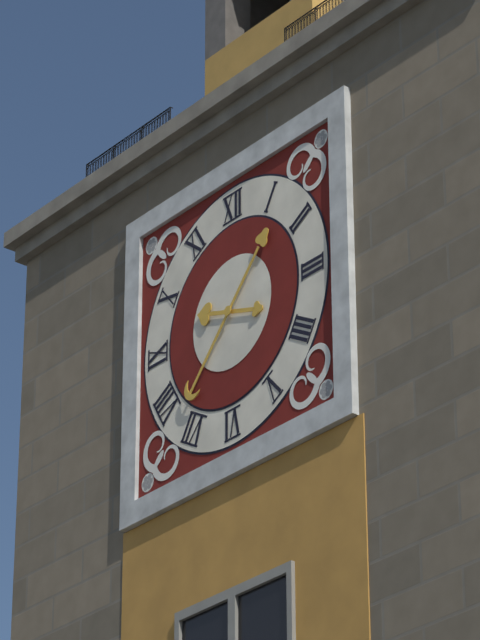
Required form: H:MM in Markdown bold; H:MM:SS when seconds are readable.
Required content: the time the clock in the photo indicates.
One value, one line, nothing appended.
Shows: **9:37**
